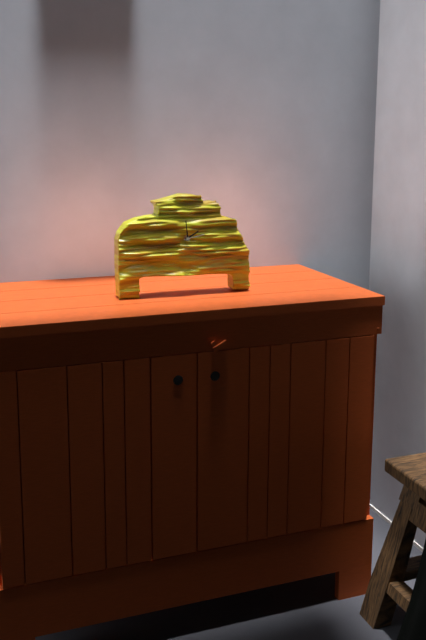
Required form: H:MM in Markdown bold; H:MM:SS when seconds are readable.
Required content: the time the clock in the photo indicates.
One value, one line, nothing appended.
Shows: **1:59**
